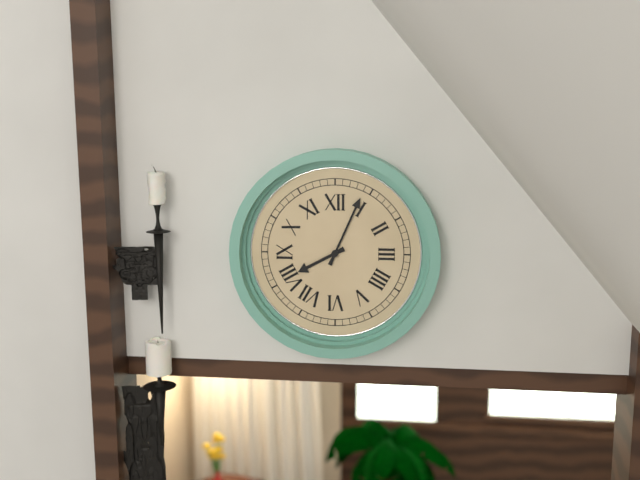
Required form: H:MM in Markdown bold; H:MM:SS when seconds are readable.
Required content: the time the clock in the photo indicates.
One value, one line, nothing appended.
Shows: **8:04**
